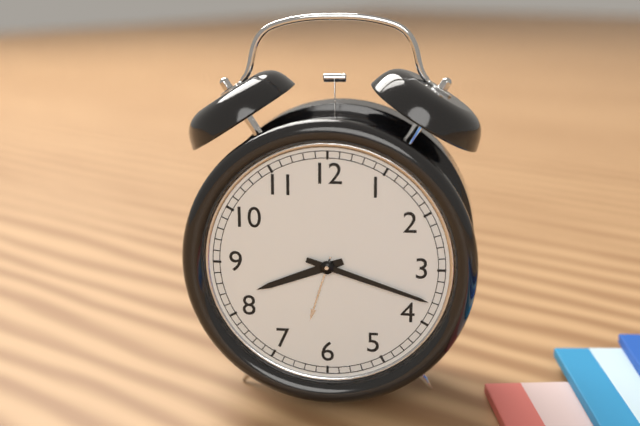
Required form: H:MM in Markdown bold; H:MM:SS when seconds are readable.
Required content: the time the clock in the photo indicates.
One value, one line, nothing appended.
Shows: **8:18**
